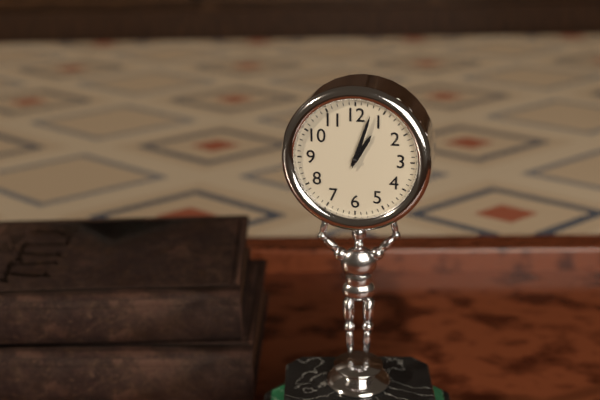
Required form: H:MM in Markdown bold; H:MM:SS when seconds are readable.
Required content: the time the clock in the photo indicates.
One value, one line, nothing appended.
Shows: **1:03**
